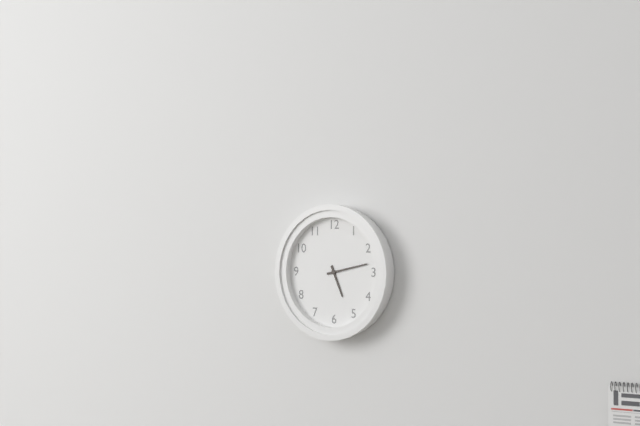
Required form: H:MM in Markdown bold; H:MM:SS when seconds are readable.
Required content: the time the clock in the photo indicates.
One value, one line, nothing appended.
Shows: **5:13**
